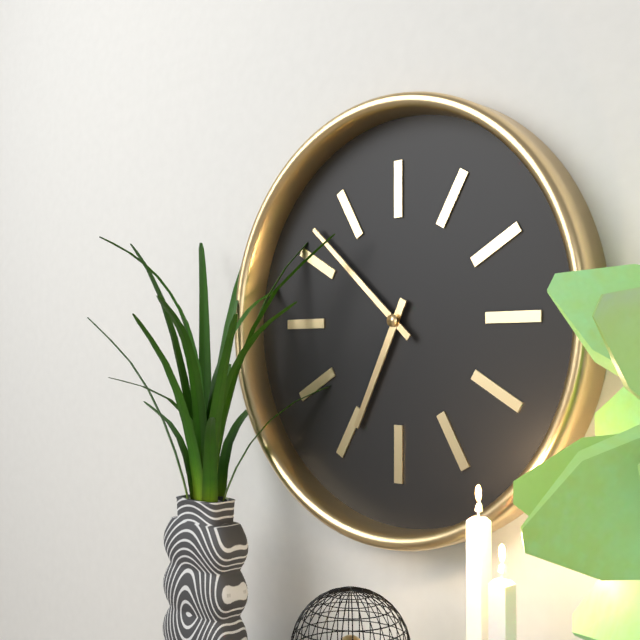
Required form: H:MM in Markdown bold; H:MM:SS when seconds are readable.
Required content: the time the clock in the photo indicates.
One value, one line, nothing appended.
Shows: **6:52**
